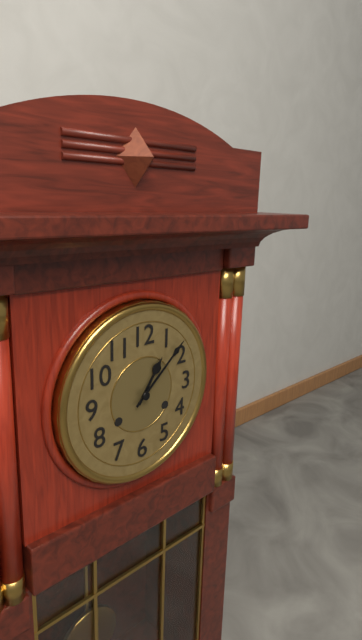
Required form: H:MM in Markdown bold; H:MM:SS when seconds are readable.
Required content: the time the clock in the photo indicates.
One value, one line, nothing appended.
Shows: **1:08**
